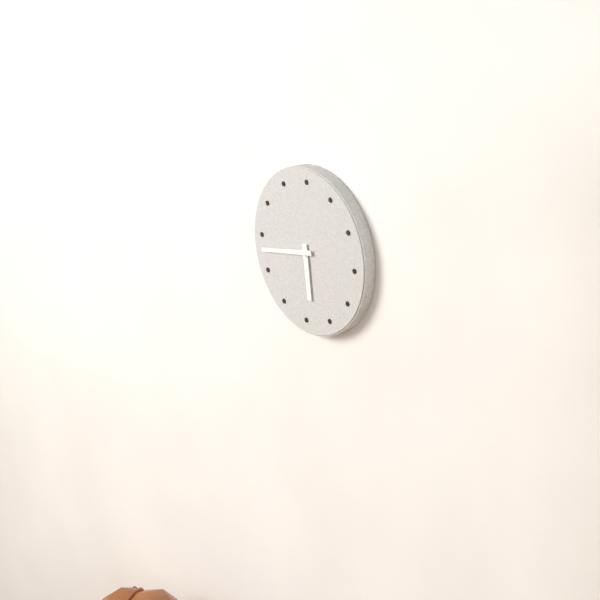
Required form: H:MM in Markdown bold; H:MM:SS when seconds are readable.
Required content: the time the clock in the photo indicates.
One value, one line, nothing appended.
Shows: **5:43**
